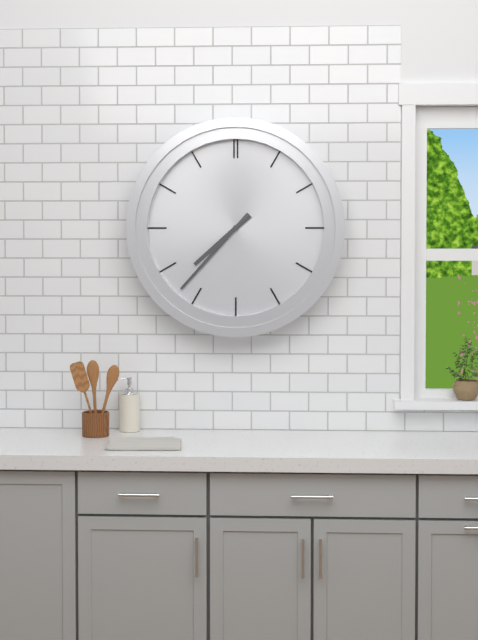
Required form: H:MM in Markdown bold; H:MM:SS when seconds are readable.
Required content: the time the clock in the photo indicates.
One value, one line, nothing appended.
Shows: **7:37**
